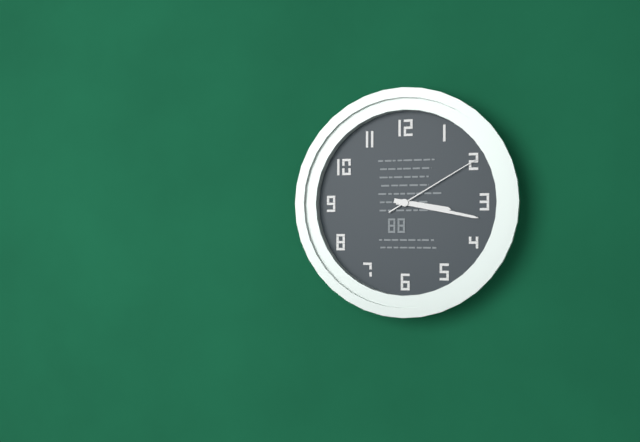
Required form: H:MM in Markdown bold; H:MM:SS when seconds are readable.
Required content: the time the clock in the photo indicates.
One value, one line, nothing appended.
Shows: **3:17:10**
